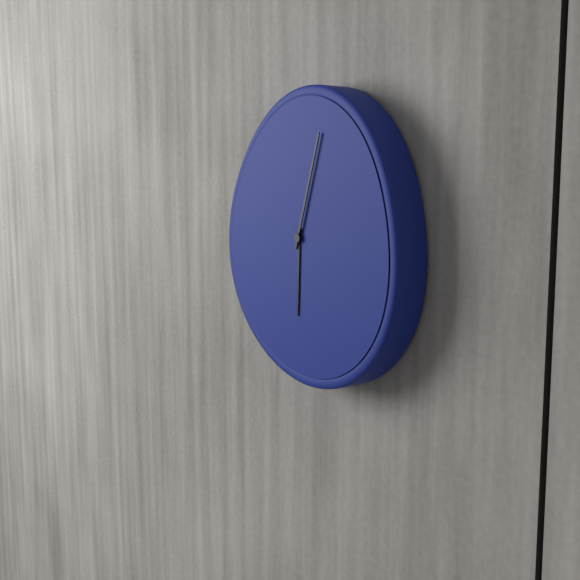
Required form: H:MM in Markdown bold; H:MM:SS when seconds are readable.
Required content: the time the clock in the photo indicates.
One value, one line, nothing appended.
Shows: **6:03**
